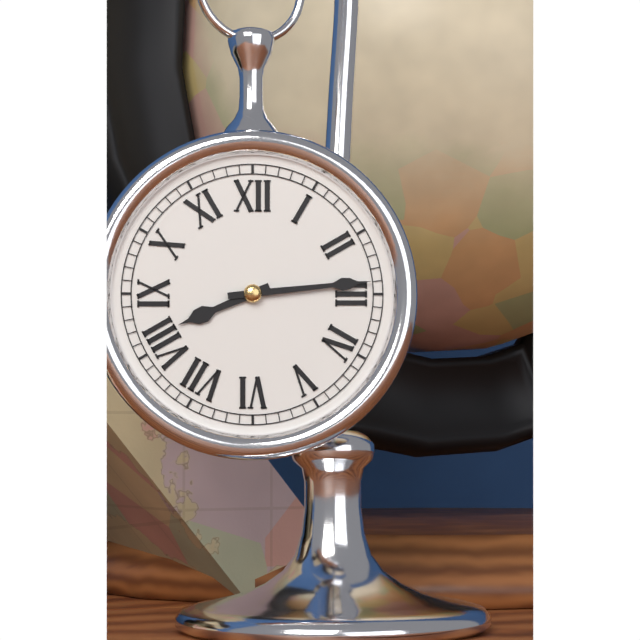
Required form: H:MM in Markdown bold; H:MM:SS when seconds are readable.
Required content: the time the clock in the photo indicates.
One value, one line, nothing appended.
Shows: **8:14**
